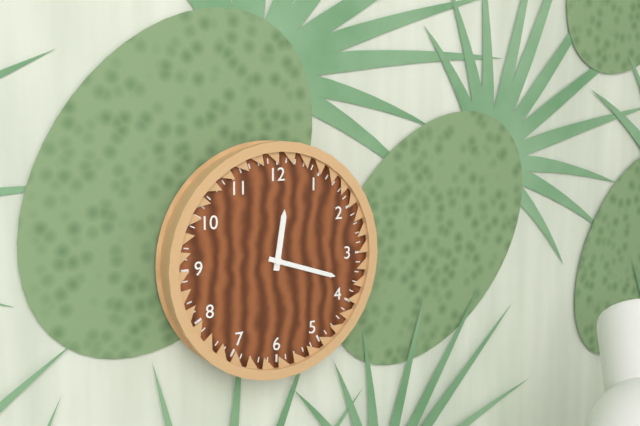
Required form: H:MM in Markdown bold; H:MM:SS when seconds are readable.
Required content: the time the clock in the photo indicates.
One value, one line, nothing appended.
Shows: **12:18**
